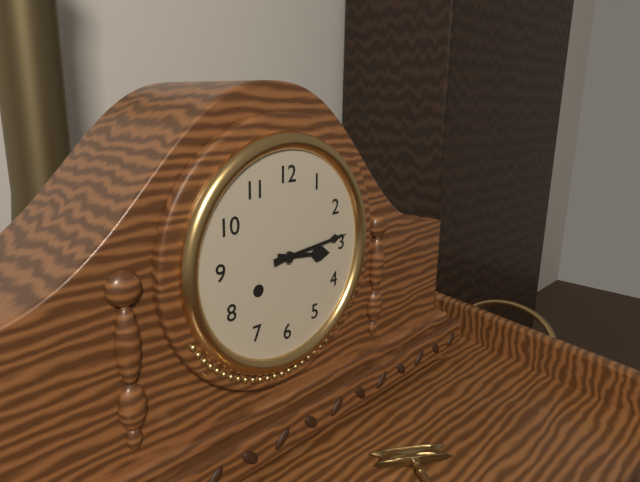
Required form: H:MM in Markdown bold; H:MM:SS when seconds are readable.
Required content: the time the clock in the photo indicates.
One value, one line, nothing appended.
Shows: **3:14**
